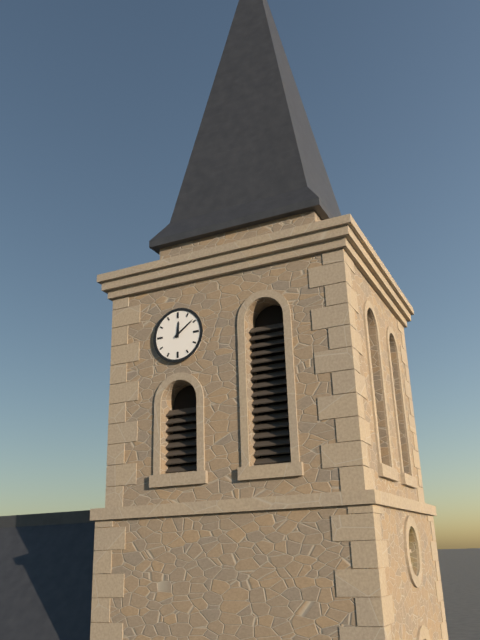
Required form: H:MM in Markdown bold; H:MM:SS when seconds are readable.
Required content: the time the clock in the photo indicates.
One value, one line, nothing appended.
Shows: **12:09**
